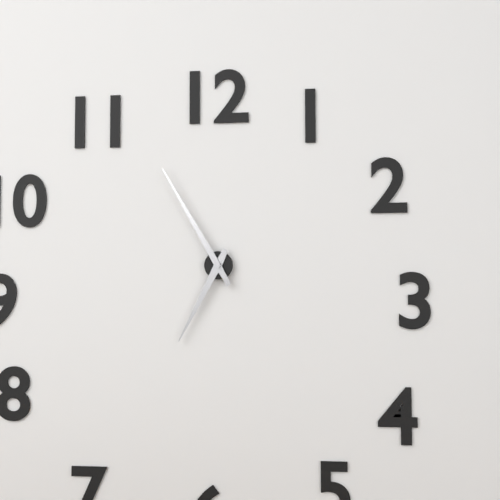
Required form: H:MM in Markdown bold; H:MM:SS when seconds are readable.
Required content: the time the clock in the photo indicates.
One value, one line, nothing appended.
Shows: **6:55**
